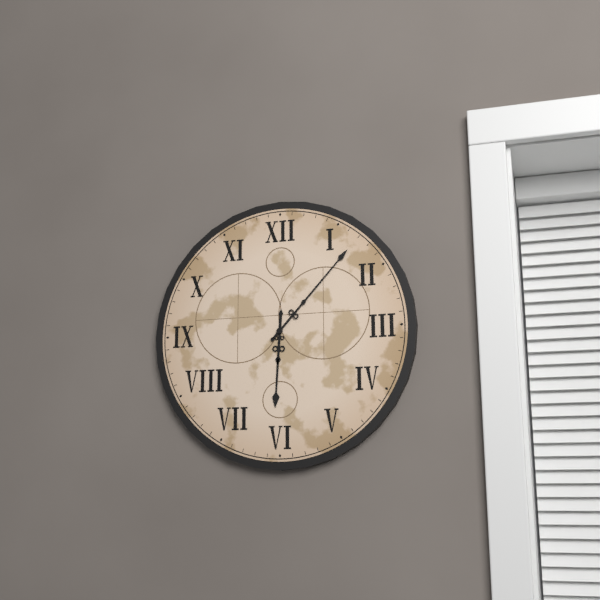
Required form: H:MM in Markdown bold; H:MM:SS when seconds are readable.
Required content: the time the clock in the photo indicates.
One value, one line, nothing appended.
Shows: **6:07**
